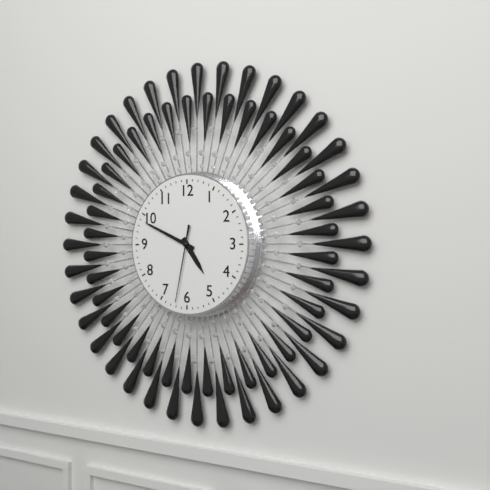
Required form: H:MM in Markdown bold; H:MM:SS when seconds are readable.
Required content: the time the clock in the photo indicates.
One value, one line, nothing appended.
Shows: **4:49:32**
